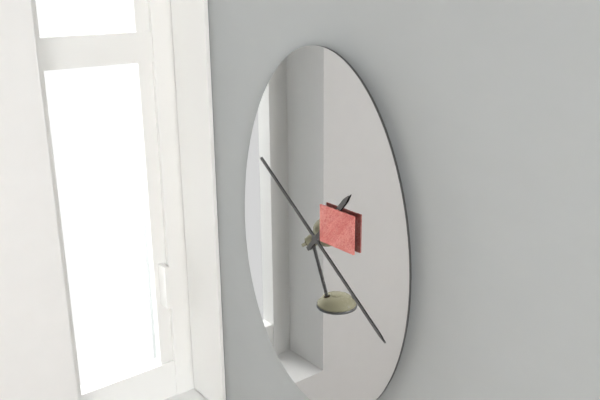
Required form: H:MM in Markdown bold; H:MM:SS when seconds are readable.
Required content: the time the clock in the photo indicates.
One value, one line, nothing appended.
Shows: **1:21**
